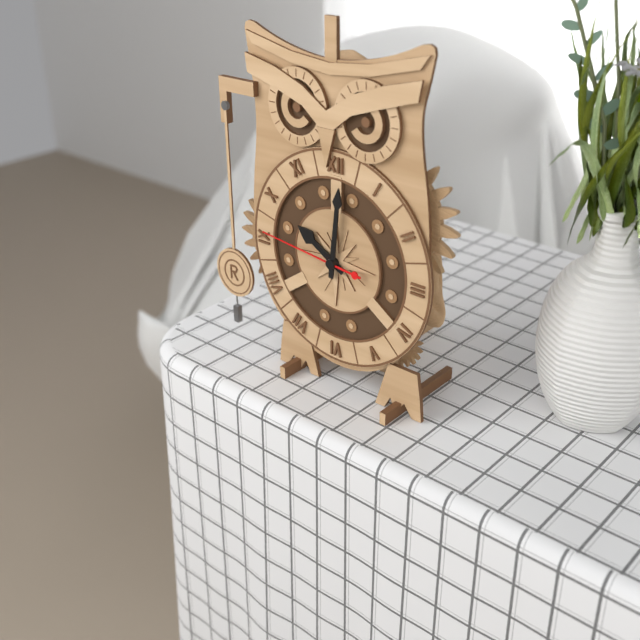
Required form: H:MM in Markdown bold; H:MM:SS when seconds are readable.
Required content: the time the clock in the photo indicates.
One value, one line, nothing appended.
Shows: **10:01:46**
